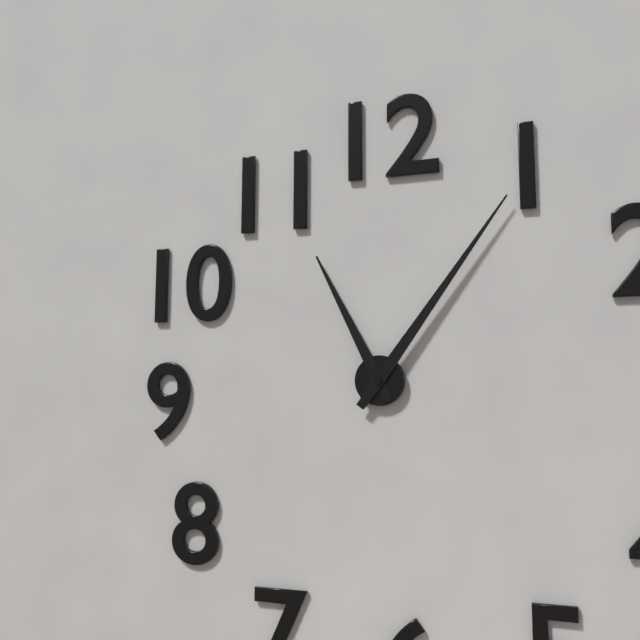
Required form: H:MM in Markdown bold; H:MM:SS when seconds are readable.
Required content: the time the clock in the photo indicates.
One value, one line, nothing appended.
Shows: **11:06**
